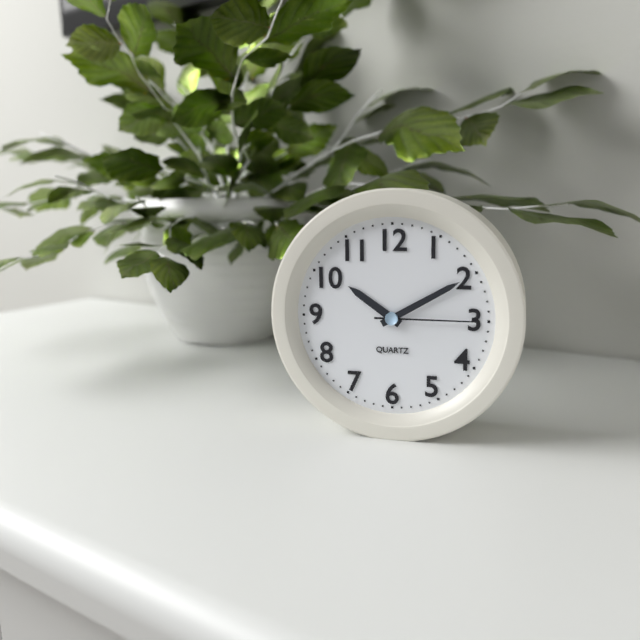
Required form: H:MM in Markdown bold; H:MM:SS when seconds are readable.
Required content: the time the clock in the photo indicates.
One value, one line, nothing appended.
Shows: **10:10:15**
